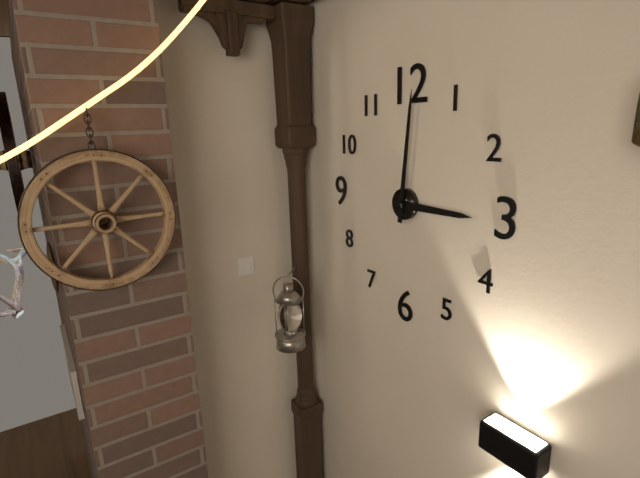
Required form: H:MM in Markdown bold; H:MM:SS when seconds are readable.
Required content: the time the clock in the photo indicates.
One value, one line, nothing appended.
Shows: **3:01**
